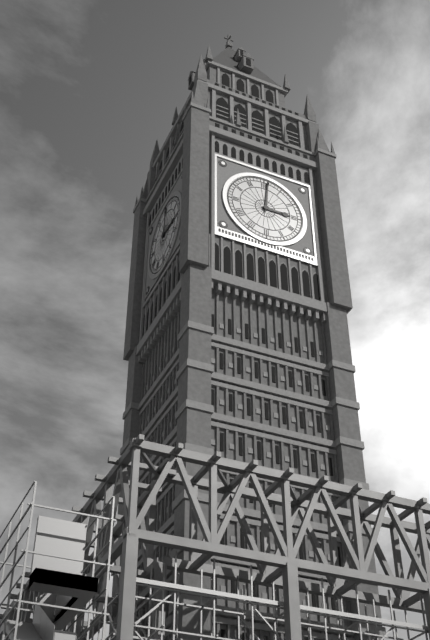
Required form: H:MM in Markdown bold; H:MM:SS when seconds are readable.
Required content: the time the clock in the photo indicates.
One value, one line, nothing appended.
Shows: **3:01**
